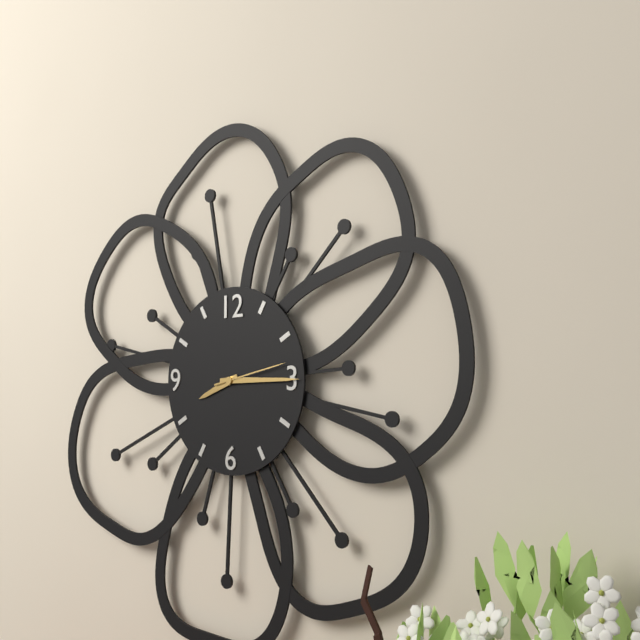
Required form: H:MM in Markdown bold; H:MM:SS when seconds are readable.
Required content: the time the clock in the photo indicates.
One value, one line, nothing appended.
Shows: **8:15:13**
